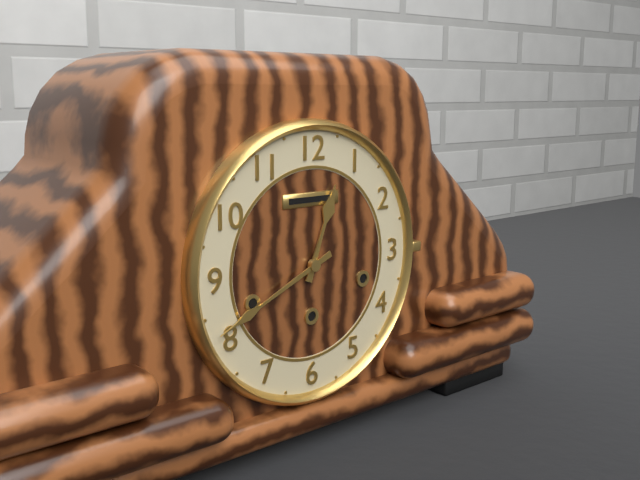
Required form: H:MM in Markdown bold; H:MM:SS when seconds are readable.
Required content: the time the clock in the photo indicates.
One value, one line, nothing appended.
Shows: **12:41**
